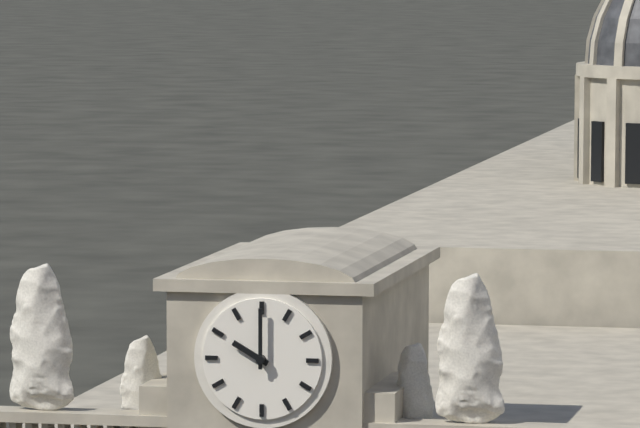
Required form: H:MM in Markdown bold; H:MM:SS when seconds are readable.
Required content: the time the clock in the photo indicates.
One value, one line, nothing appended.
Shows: **10:00**
